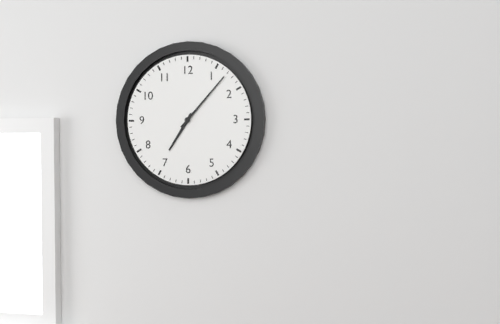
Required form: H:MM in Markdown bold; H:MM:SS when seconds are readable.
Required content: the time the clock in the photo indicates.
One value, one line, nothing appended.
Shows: **7:07**
